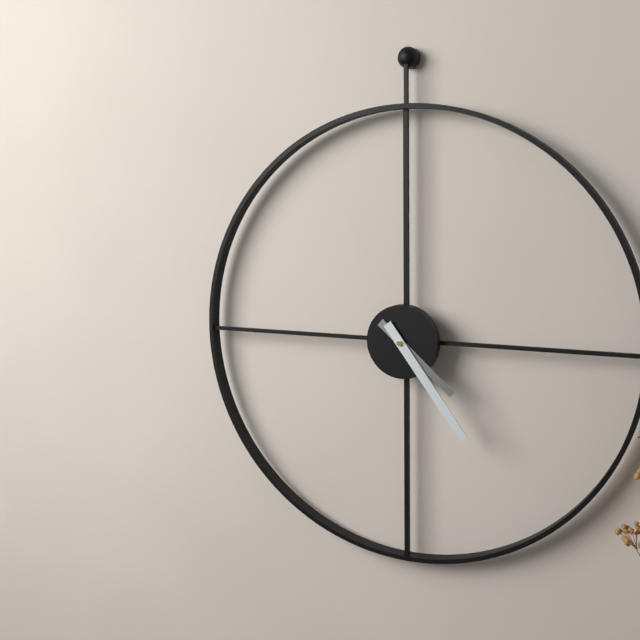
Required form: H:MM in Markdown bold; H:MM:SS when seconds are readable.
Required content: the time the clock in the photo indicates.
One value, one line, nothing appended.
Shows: **4:24**
